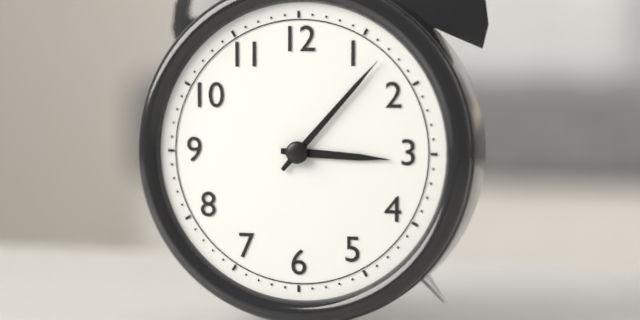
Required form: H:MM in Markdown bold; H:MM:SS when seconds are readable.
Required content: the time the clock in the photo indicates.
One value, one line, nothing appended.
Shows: **3:07**
